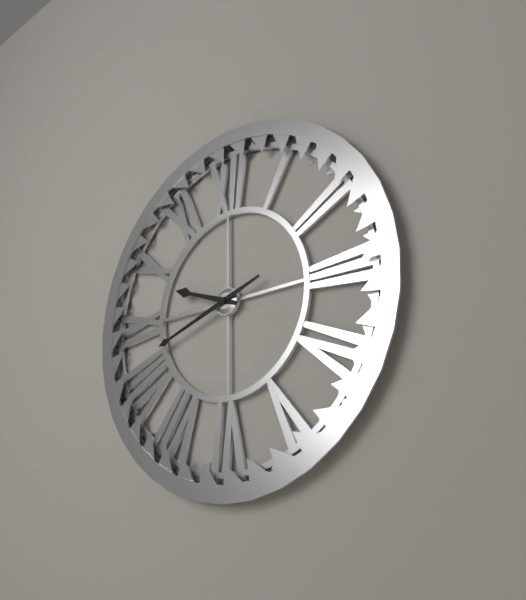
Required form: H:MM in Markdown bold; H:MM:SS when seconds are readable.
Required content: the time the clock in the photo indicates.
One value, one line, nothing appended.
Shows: **9:42**
